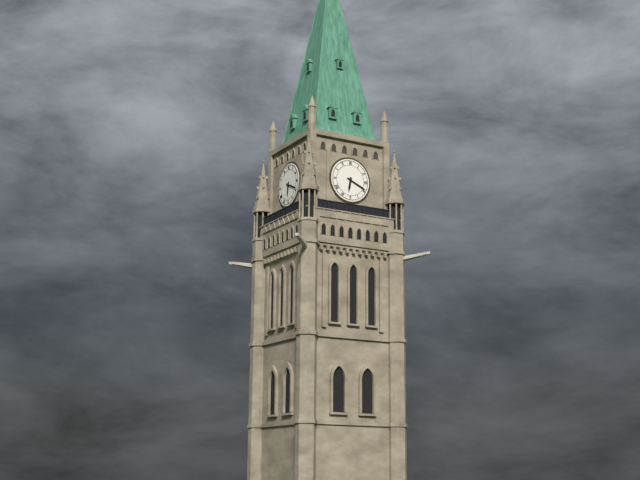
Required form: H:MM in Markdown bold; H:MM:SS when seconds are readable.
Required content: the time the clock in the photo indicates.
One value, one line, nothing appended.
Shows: **6:19**
